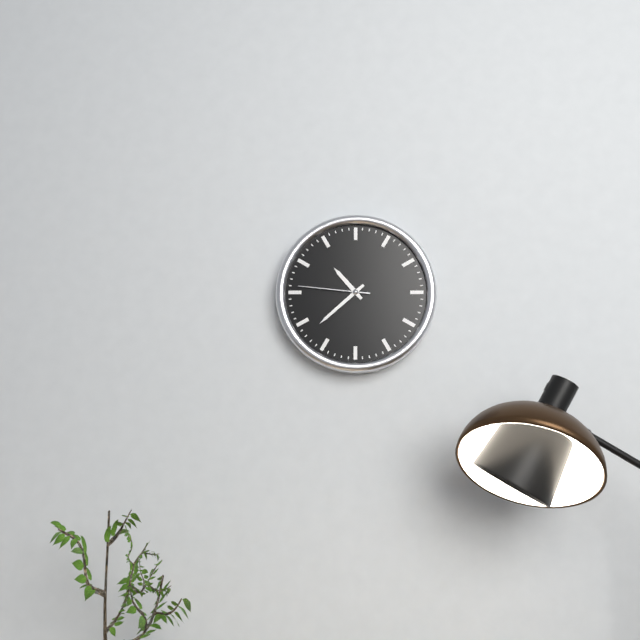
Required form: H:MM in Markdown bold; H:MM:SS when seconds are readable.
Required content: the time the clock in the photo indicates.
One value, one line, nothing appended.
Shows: **10:38:46**
